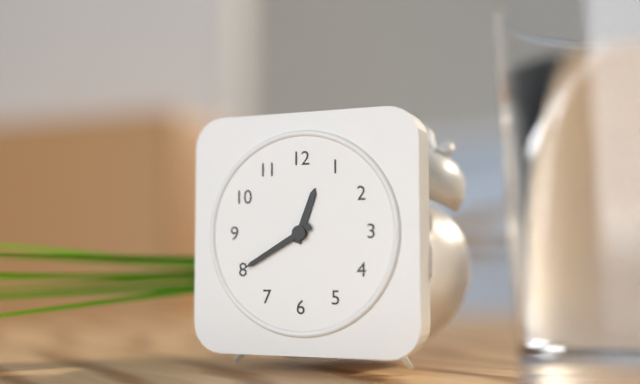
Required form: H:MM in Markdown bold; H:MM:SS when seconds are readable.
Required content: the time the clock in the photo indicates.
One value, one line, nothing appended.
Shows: **12:40**
